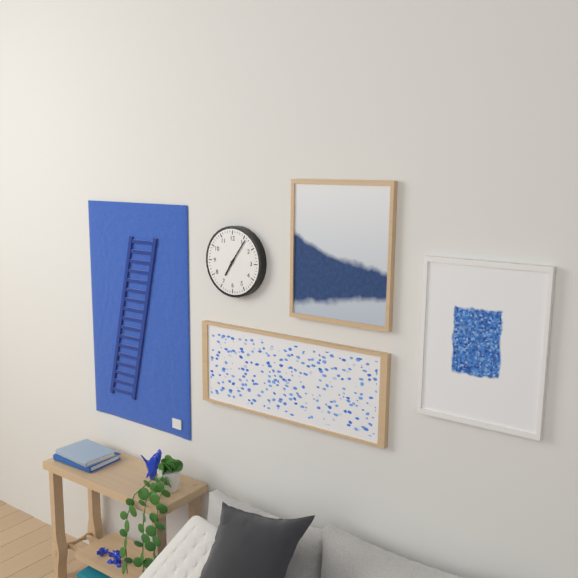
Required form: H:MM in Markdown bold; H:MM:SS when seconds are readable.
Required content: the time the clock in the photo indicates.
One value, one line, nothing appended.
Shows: **7:06**
